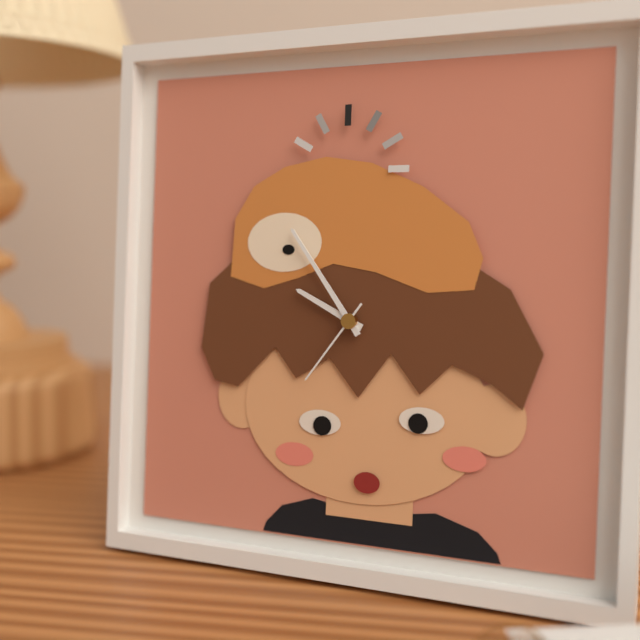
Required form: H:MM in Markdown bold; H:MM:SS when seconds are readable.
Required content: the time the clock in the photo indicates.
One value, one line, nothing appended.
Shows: **9:54:36**
